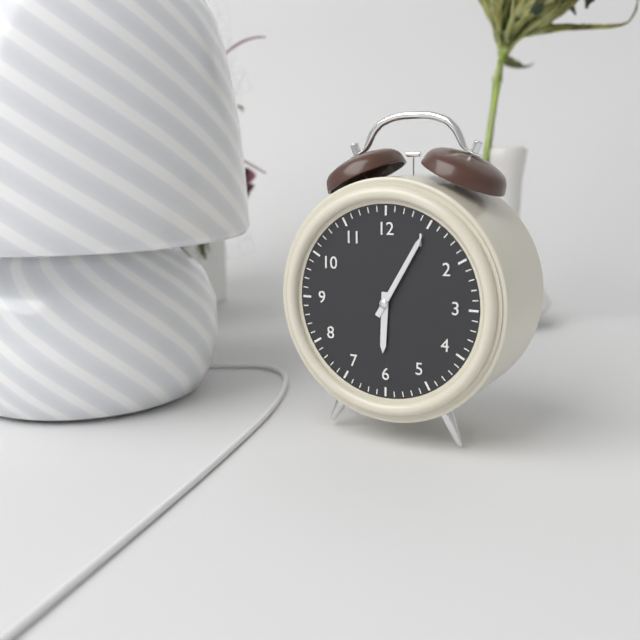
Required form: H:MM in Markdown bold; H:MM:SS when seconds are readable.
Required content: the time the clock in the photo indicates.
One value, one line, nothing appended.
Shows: **6:05**
